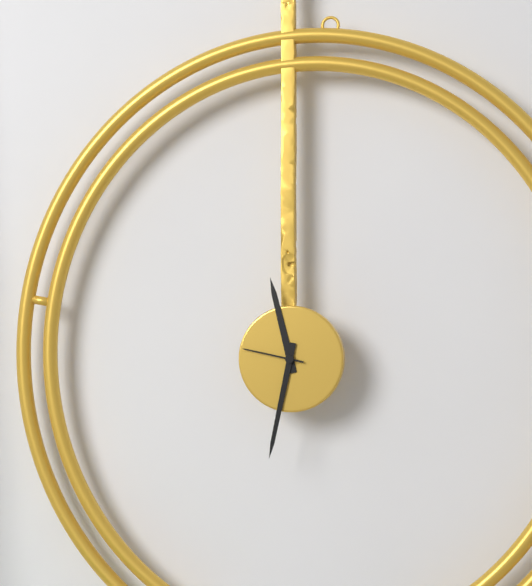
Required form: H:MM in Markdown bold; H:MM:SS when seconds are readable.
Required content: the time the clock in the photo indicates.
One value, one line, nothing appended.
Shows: **11:32:47**
